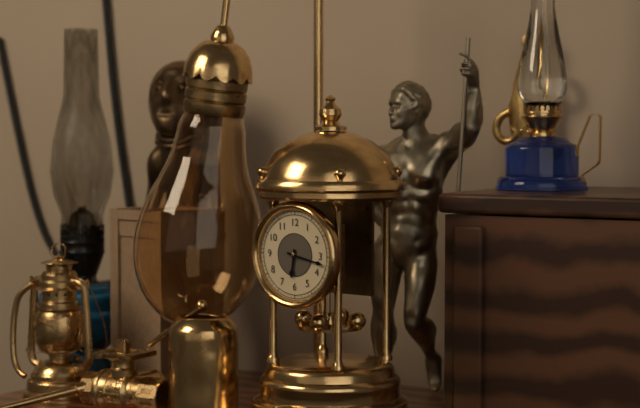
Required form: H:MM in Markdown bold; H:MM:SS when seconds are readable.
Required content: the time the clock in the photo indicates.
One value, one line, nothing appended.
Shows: **6:17**
